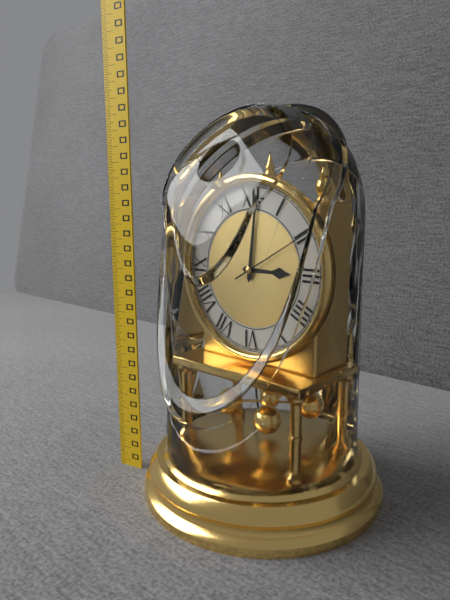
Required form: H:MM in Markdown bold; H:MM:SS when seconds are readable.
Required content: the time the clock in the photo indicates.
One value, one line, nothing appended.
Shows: **3:01:10**
